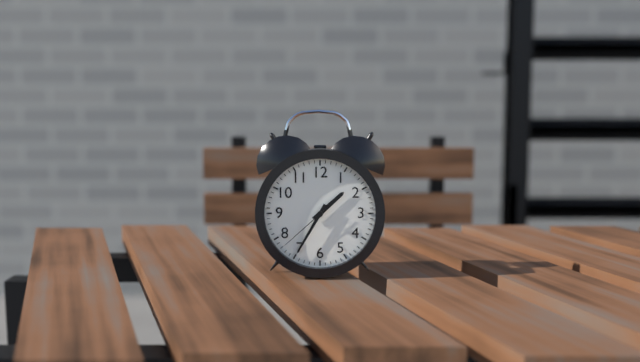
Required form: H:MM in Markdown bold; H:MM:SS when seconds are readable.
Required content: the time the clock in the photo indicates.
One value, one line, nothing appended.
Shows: **1:35:38**
